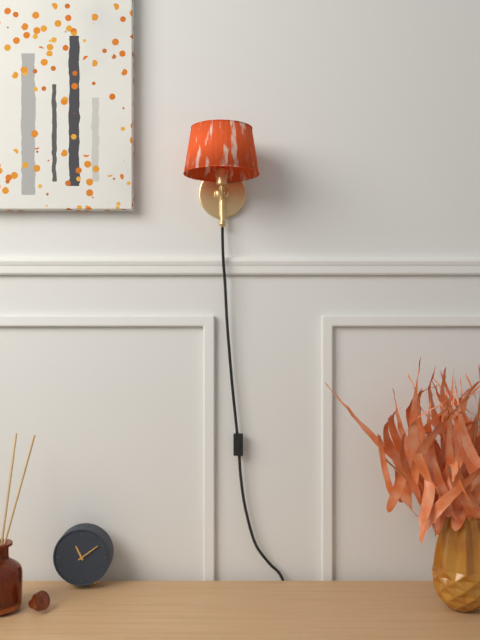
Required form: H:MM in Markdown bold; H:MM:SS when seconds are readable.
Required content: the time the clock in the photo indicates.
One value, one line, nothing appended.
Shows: **11:09**
